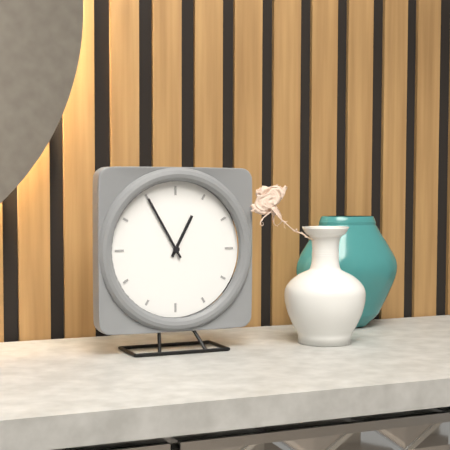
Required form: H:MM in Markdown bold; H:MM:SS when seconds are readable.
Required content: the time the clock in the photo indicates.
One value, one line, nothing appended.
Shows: **12:55**
